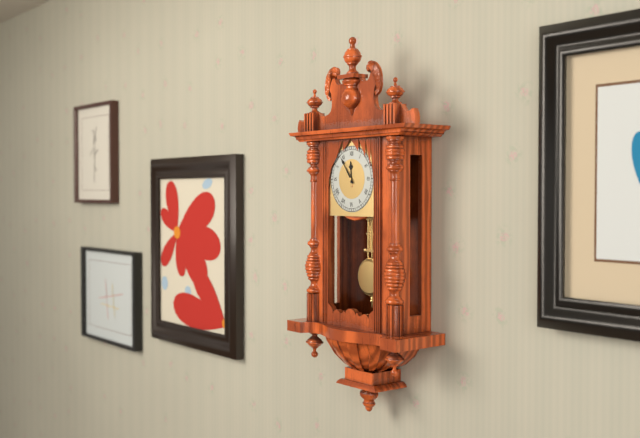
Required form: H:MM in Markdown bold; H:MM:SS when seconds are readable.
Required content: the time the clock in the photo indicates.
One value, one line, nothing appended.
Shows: **11:54**
